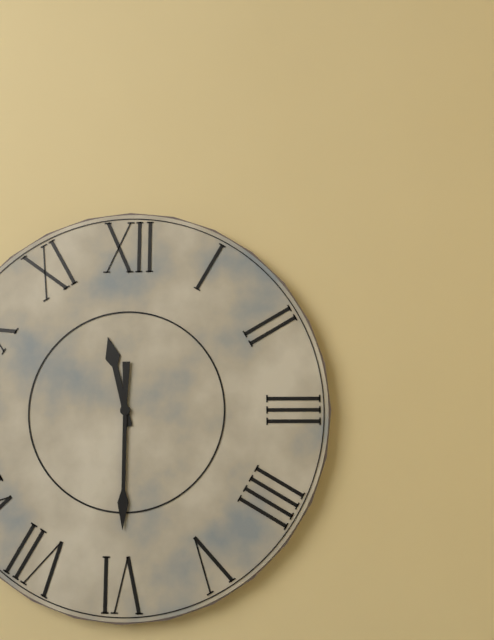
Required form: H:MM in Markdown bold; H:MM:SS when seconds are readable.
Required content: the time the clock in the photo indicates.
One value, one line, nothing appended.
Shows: **11:30**
